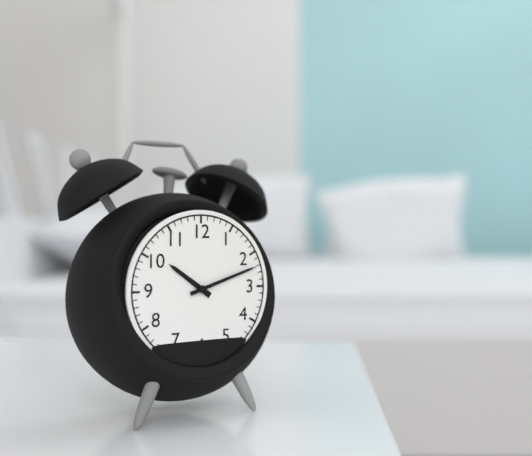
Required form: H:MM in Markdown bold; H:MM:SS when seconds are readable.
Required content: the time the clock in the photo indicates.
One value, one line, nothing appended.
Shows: **10:12**
